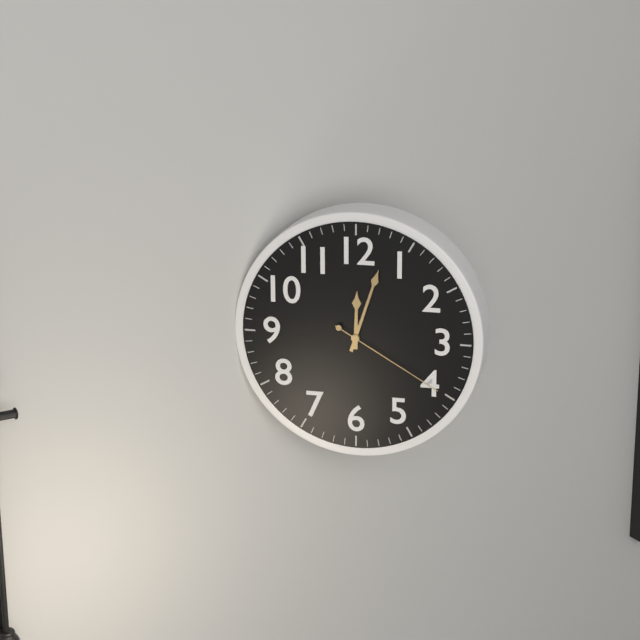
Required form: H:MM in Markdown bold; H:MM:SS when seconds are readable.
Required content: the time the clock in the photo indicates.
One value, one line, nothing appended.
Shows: **12:03:20**
